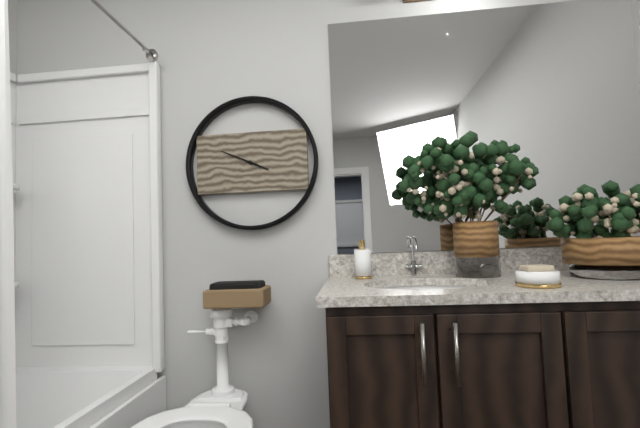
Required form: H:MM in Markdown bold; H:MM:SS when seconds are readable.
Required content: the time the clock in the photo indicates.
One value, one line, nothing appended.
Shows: **3:49**
